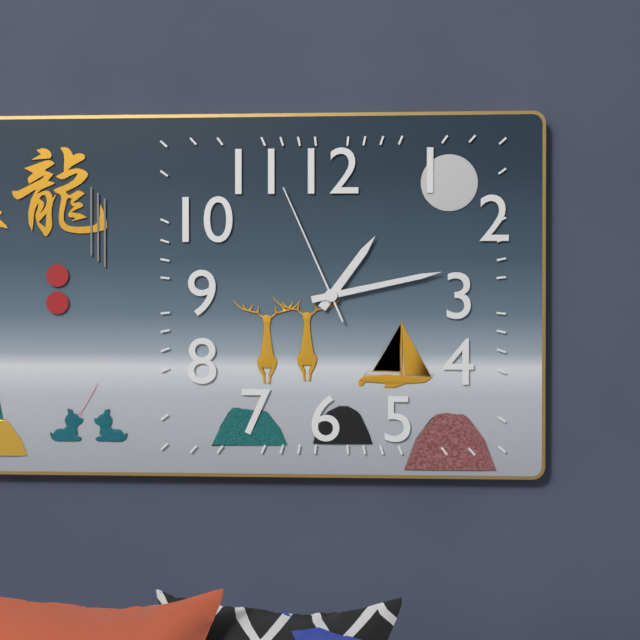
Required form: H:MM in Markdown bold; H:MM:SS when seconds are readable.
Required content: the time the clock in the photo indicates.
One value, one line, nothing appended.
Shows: **1:13:56**
